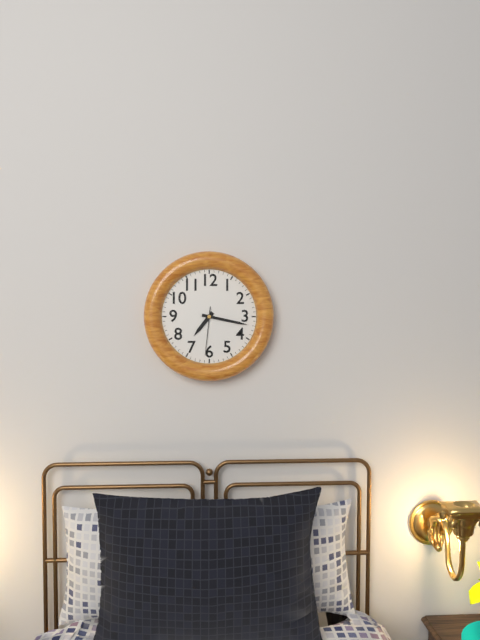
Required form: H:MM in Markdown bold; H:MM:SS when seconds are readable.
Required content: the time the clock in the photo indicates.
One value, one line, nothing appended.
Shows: **7:17**
